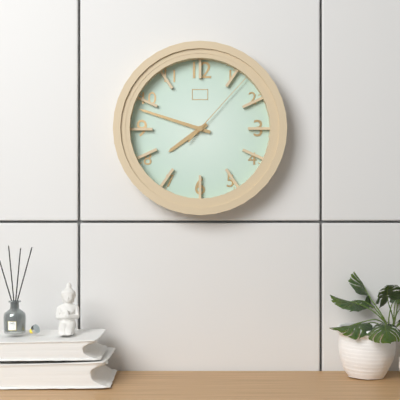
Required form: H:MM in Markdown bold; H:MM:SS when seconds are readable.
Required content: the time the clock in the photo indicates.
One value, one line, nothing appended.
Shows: **7:48:07**
